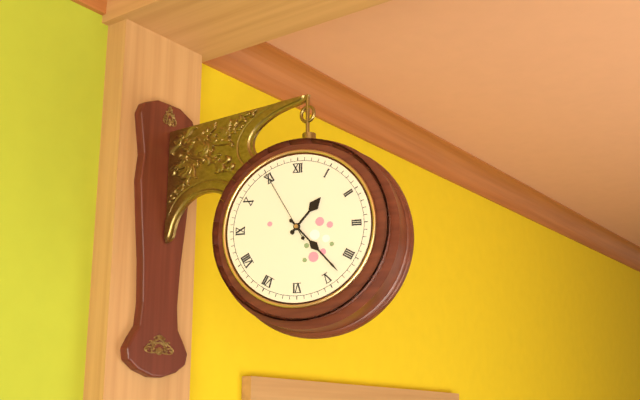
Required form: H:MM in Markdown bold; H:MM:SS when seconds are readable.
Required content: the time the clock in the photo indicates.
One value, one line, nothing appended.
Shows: **1:23:55**
